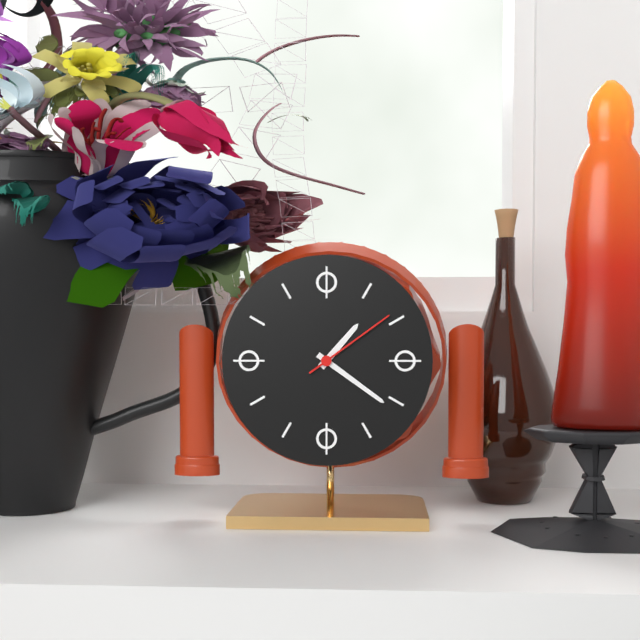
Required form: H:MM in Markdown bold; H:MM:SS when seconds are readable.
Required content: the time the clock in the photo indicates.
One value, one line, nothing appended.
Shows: **1:21:09**
